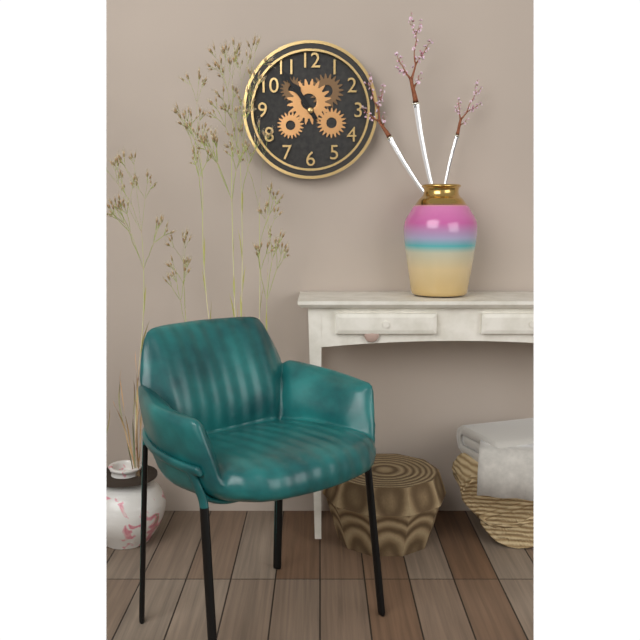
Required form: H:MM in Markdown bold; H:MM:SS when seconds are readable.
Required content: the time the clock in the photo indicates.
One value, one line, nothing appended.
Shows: **10:54**
